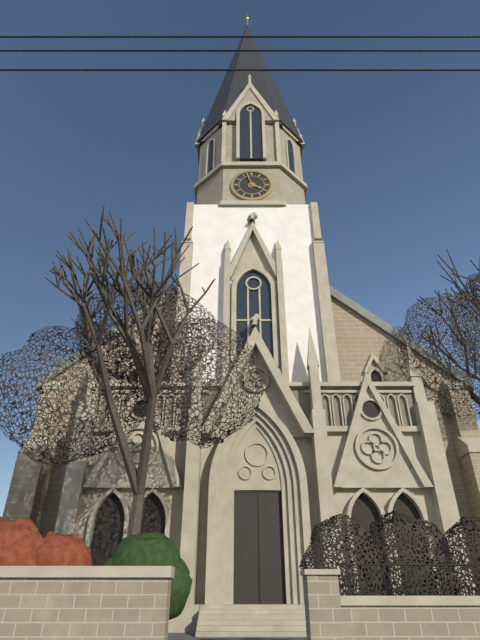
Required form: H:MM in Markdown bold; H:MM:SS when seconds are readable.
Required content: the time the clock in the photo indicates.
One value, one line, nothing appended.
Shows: **3:57**
